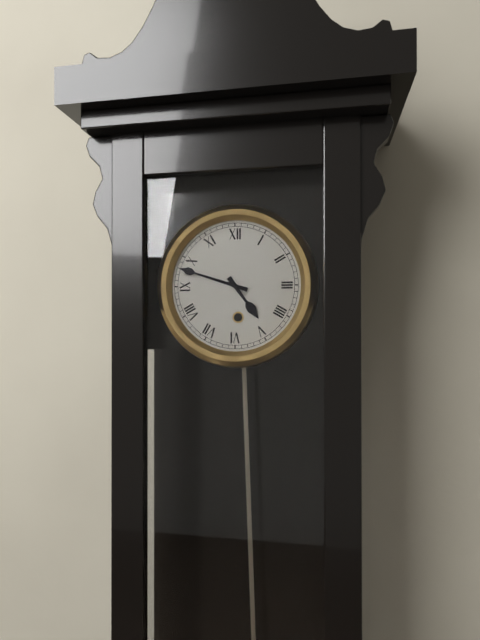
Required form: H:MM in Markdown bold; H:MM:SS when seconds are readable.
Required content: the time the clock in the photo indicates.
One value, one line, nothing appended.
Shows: **4:48**
